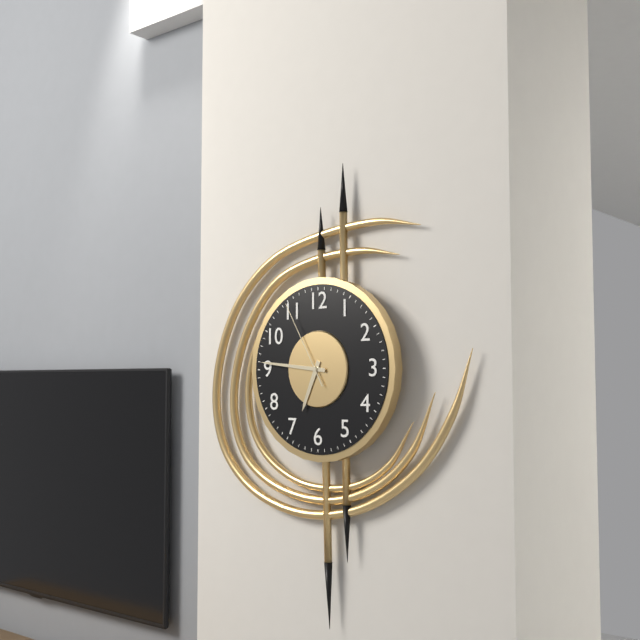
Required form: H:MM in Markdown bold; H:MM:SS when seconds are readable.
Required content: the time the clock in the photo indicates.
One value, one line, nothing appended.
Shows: **6:46:55**
